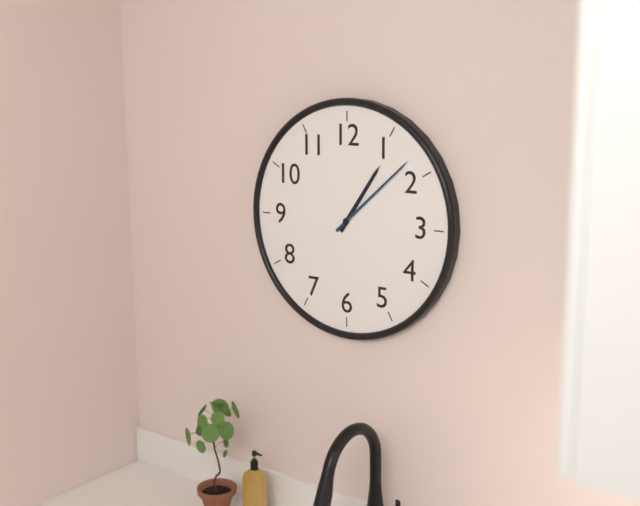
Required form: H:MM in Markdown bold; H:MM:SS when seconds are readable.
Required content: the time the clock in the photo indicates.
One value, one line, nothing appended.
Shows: **1:08**
